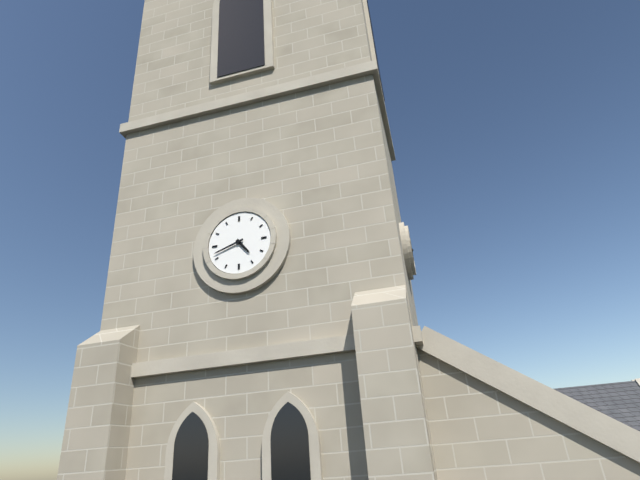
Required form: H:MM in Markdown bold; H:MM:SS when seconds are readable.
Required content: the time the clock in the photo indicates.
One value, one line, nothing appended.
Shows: **4:42**
